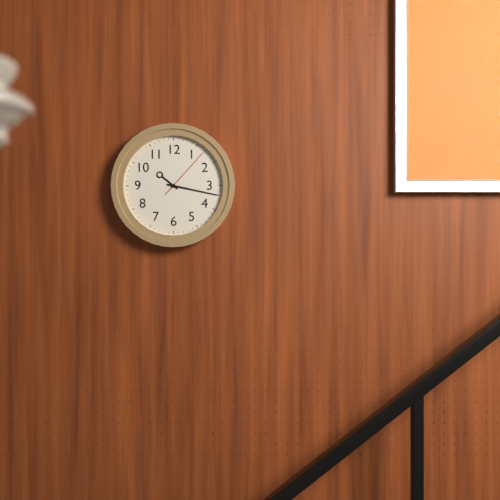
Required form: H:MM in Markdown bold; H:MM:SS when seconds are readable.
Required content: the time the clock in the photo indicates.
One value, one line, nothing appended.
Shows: **10:17:07**
